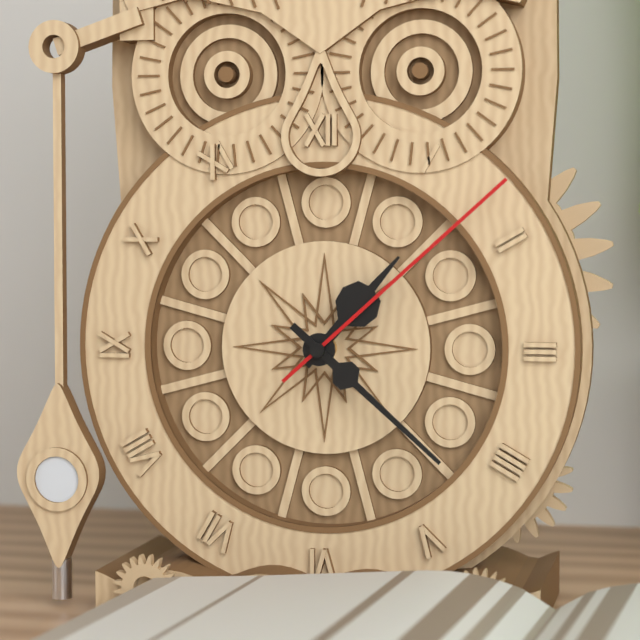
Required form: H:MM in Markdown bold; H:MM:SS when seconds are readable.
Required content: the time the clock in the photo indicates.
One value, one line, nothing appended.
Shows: **1:22:08**
